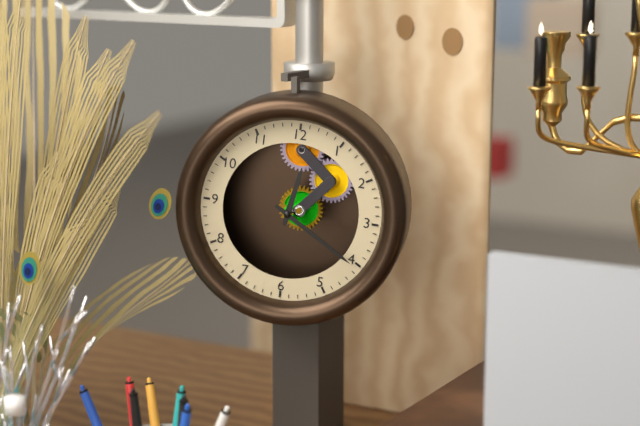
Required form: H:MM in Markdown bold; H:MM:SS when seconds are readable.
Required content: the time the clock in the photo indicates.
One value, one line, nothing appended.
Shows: **12:20**
